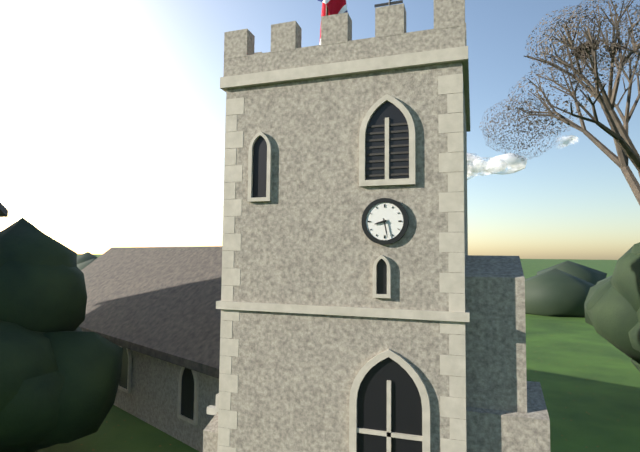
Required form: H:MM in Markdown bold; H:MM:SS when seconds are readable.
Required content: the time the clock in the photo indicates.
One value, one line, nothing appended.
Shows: **8:28**
